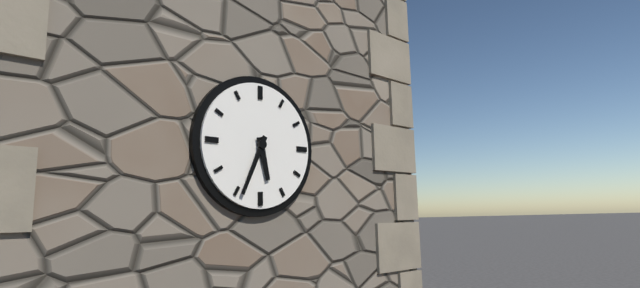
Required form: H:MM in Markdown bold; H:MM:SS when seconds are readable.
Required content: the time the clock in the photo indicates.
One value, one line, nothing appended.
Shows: **5:34**
